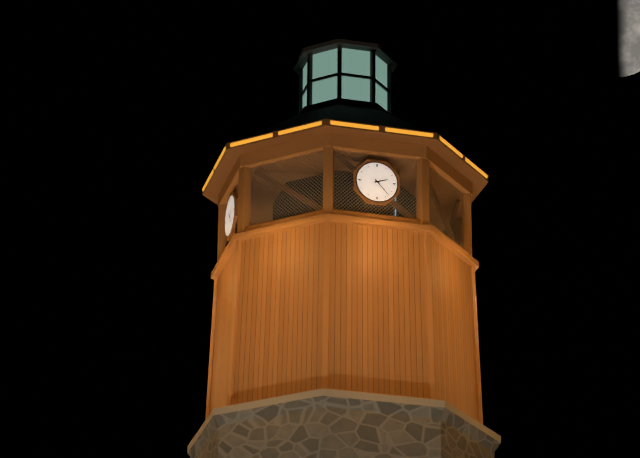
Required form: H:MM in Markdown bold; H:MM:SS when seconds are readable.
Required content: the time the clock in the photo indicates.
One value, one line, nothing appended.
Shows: **2:23**
